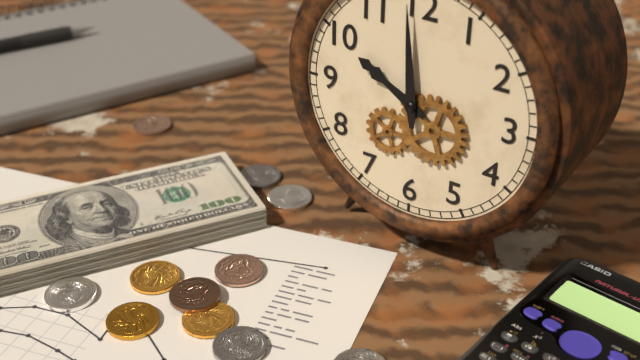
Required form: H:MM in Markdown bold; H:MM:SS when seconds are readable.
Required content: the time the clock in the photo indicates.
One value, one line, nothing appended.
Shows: **9:59**
